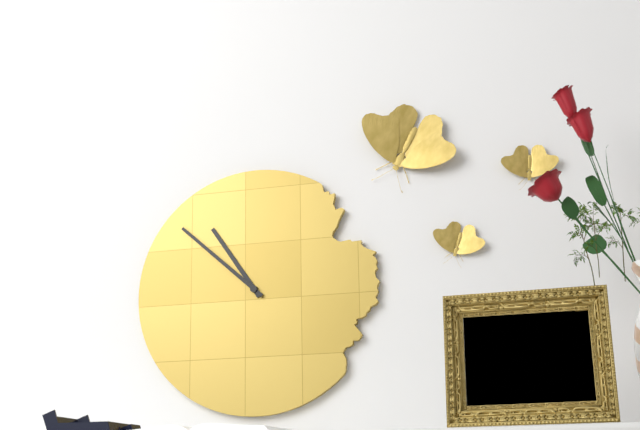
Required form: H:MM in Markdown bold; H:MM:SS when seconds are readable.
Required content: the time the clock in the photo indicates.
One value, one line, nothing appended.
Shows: **10:52**
